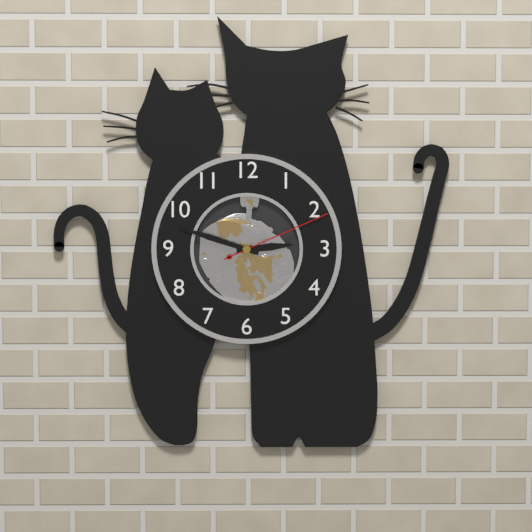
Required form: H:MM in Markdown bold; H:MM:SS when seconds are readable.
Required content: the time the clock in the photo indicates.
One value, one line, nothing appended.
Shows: **2:48:11**
